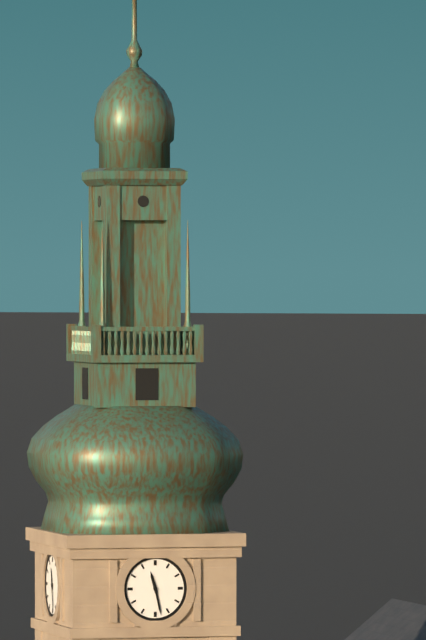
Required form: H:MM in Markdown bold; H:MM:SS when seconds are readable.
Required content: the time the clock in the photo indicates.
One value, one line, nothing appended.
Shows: **11:28**
